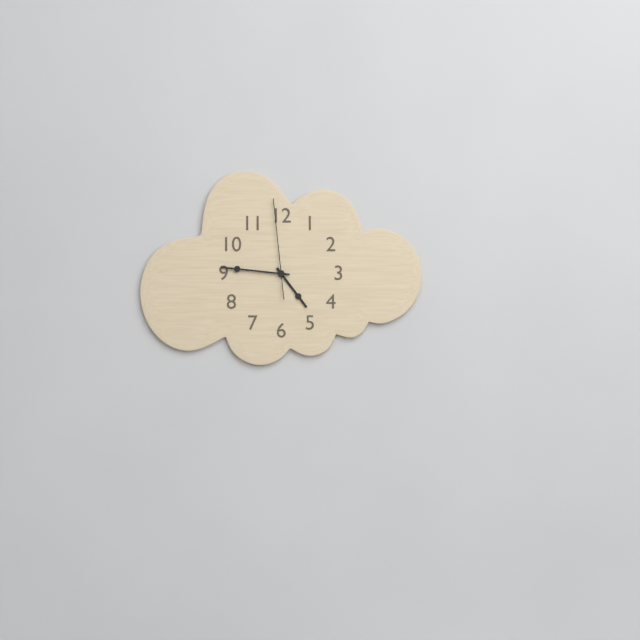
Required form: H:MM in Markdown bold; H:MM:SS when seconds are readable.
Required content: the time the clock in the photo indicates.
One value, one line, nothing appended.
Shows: **4:46:59**
